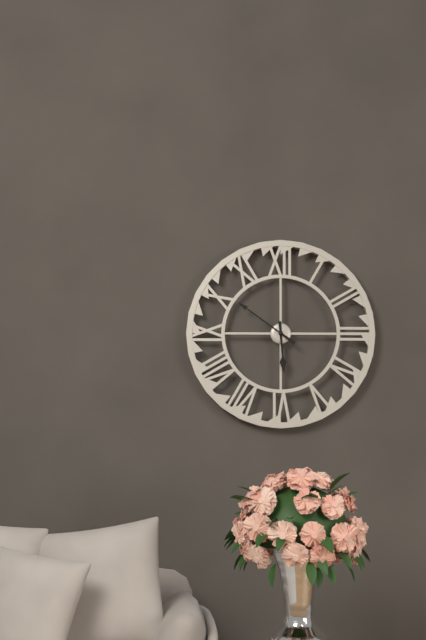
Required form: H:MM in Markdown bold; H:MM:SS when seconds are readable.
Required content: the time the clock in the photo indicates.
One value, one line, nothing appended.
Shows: **5:51**
